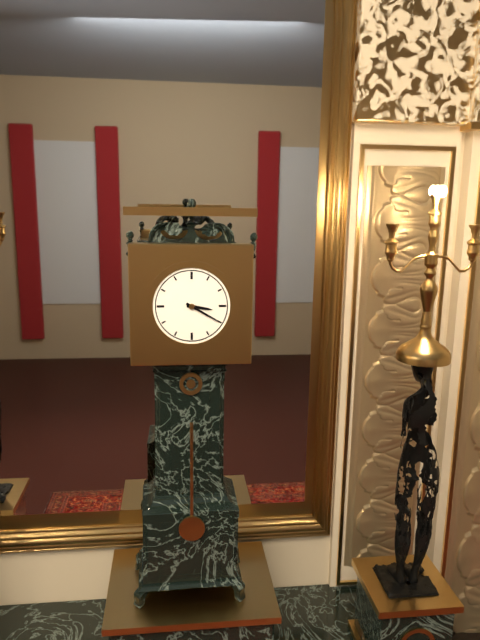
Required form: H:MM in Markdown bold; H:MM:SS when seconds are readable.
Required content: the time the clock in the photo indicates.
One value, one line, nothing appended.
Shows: **3:20**
